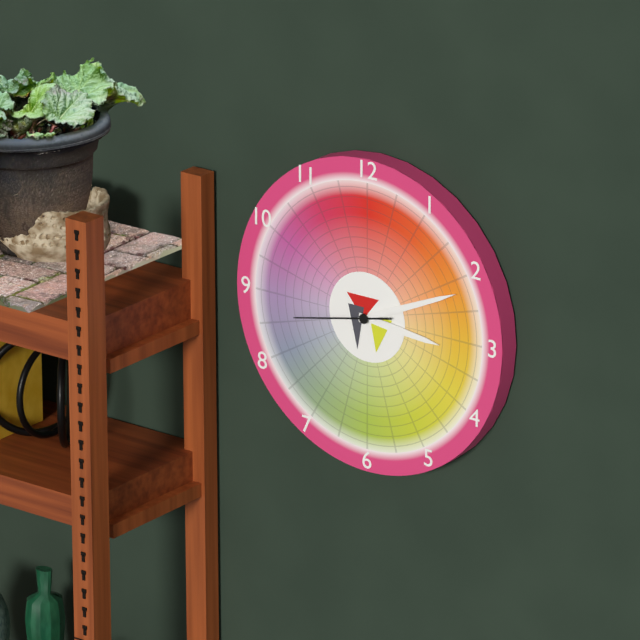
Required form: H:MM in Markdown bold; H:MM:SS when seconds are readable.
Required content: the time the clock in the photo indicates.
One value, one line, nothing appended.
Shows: **3:11:43**
